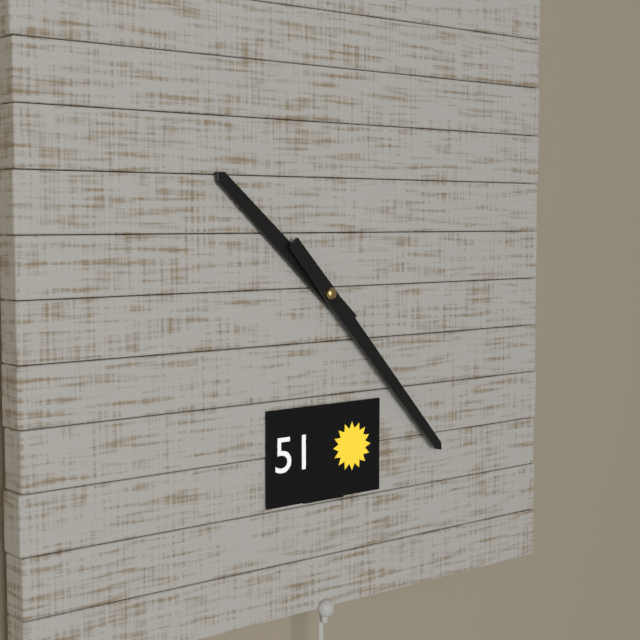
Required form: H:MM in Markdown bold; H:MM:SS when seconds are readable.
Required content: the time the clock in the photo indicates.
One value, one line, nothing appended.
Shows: **10:23**
